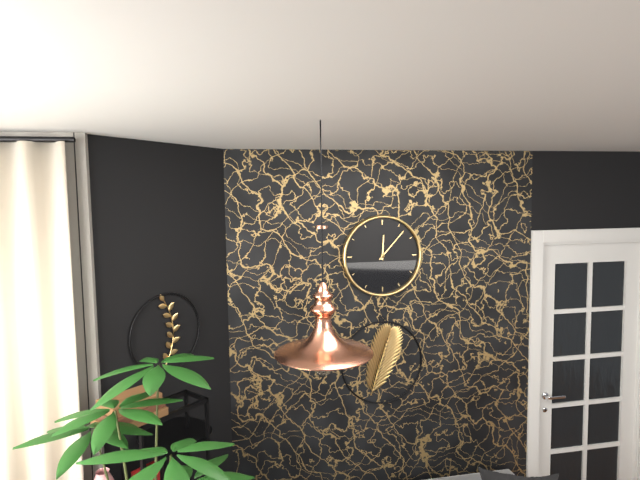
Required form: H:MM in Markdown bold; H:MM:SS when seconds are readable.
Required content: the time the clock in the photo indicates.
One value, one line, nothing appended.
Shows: **12:07**
